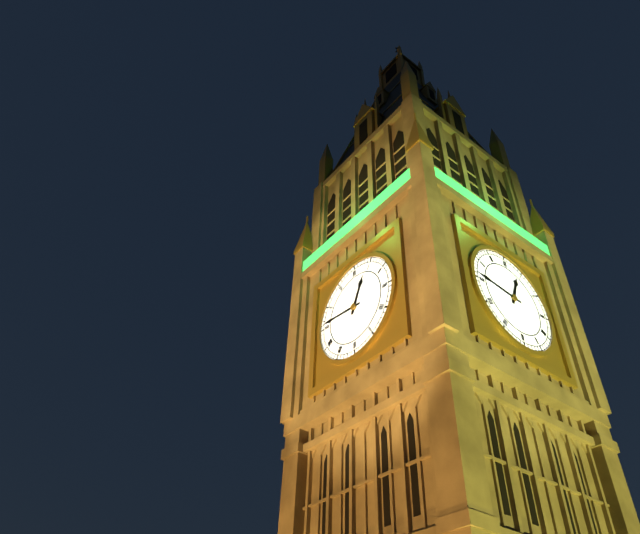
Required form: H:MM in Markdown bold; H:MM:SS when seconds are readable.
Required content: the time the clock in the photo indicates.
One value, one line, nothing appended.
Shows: **12:46**
